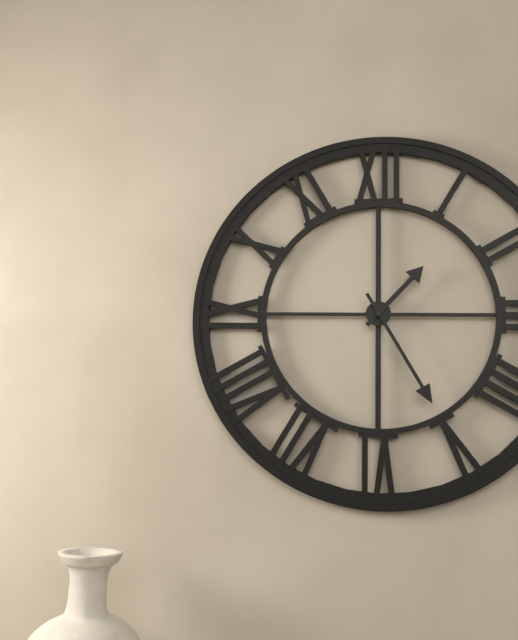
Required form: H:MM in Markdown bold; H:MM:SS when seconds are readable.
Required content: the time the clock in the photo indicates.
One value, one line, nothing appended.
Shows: **1:25**
